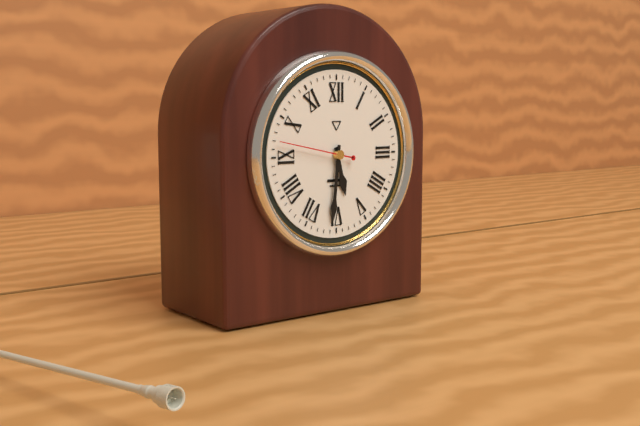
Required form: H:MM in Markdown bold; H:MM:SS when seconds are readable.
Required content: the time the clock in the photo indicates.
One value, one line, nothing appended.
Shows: **5:31:47**
